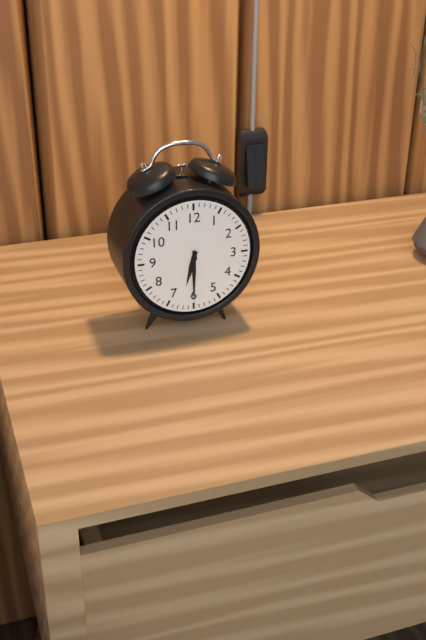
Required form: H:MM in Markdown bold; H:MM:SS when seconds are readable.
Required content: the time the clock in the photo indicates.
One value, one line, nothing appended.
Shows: **6:30**
